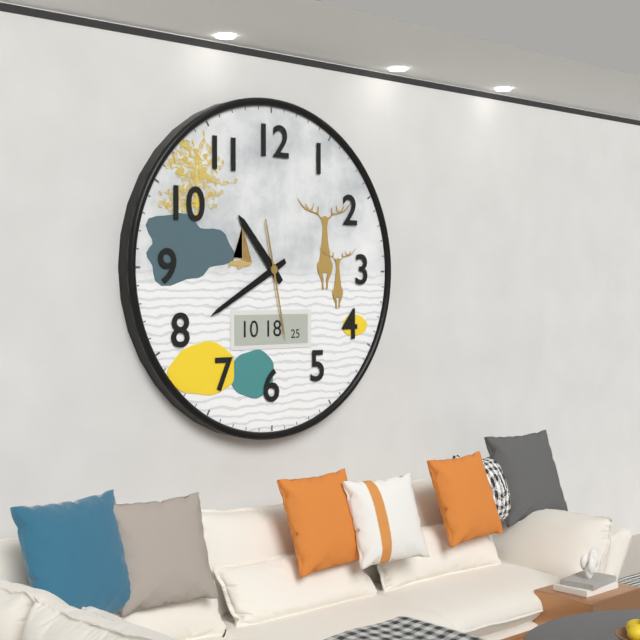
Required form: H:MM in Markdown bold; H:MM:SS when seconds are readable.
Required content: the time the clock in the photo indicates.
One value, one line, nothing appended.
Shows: **10:40:28**
